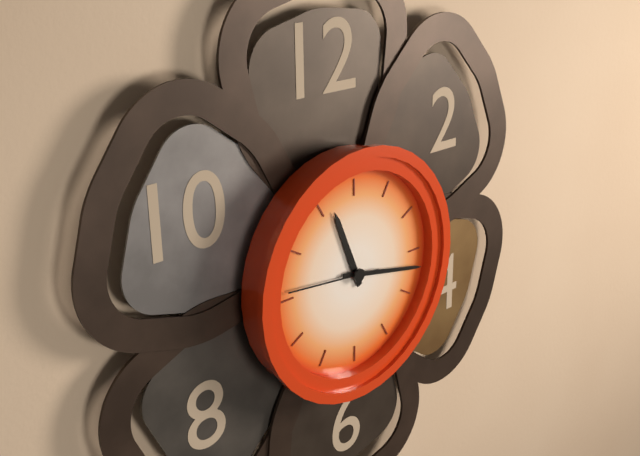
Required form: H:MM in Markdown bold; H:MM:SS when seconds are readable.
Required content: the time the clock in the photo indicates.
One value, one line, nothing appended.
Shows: **11:17:46**
